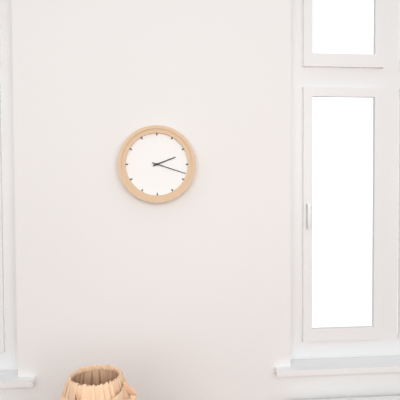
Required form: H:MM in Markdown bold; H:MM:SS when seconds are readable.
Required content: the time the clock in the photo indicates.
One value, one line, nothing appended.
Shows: **2:18**
